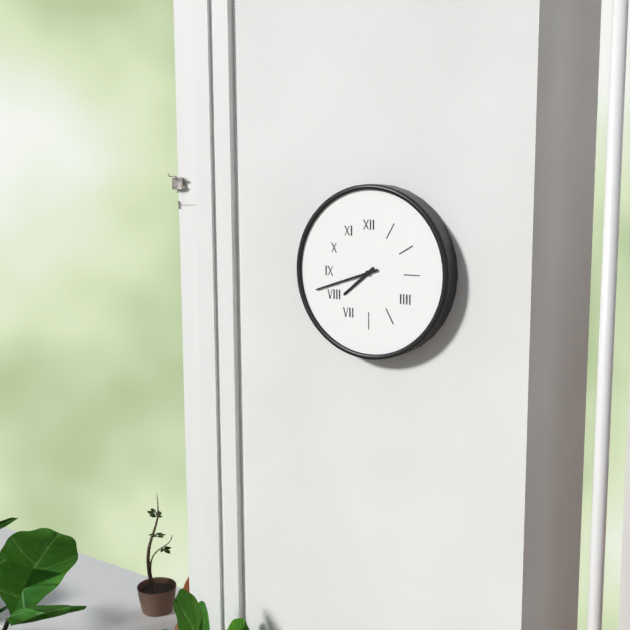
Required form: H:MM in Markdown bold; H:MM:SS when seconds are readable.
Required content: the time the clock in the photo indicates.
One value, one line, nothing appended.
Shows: **7:42**
